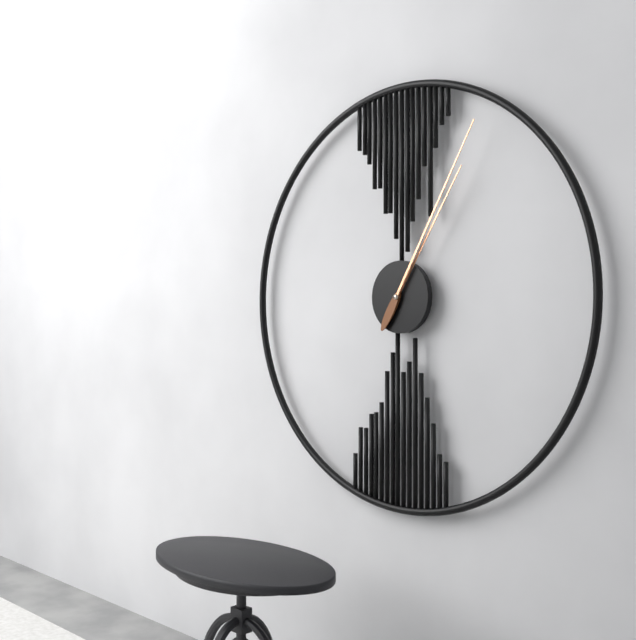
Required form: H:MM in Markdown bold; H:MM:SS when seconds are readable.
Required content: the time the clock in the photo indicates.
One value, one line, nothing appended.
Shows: **1:05**
